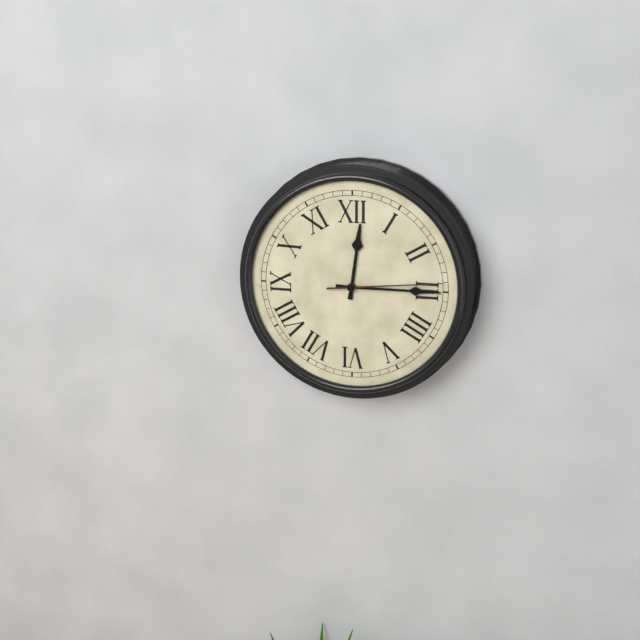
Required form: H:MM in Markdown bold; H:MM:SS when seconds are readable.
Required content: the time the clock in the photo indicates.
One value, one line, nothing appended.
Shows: **12:15:14**
